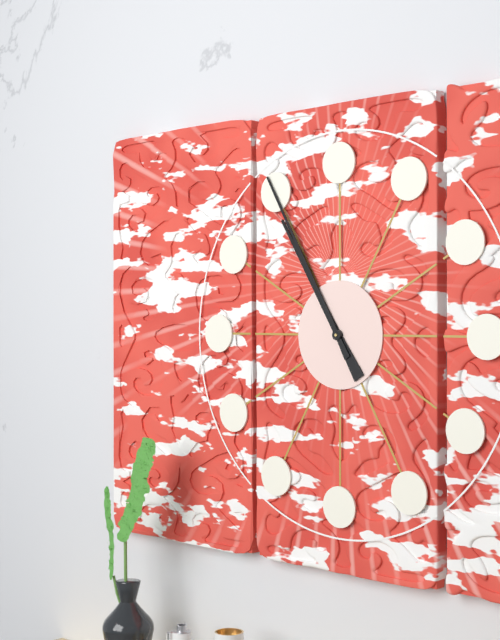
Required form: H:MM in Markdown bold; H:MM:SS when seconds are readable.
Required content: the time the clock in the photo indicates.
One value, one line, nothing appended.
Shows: **10:55**
